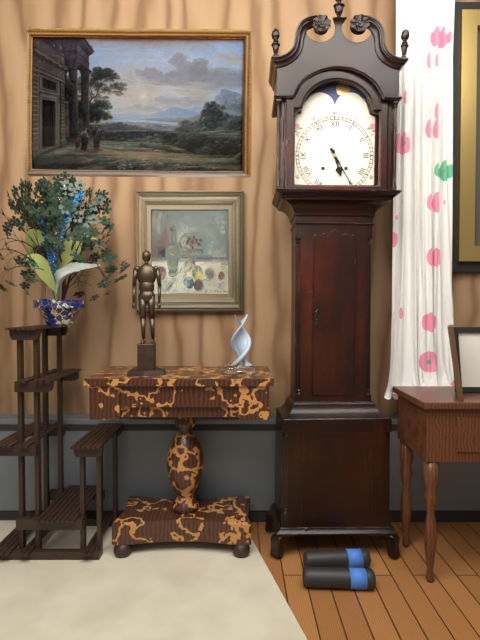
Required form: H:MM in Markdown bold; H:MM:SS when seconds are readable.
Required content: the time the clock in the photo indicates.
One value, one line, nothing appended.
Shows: **5:25**
